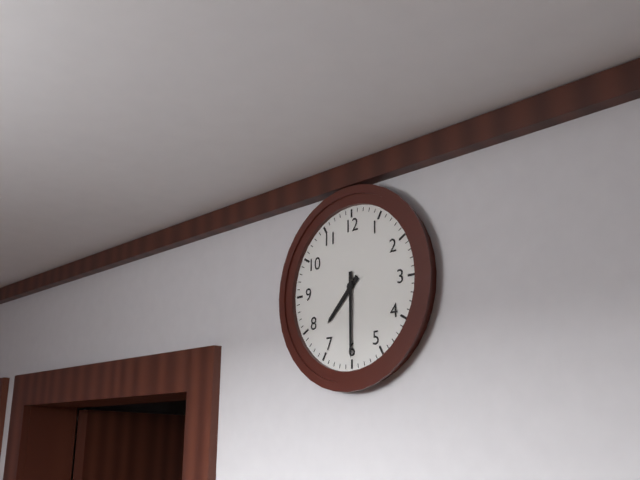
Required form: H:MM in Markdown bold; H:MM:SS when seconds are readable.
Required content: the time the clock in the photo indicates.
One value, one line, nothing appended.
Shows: **7:30**
